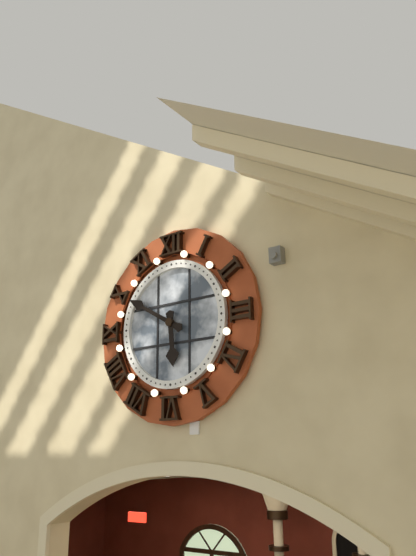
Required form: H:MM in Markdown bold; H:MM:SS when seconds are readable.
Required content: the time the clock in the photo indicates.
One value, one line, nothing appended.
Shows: **5:50**
